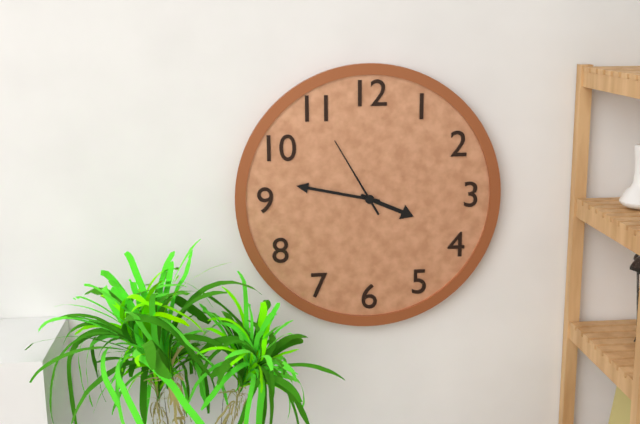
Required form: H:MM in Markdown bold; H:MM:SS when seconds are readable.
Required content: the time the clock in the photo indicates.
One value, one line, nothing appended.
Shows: **3:47:55**
